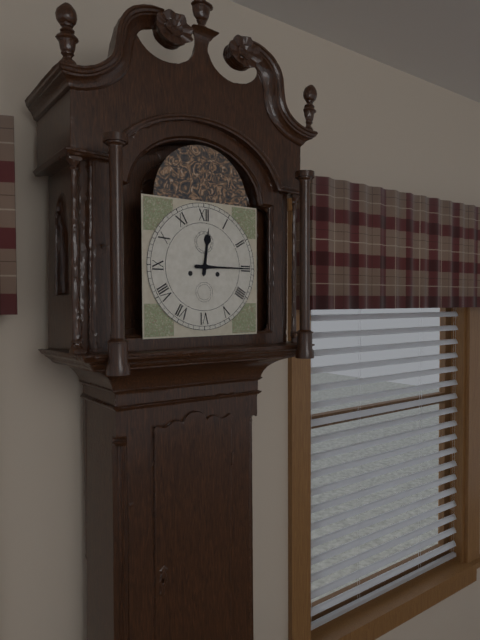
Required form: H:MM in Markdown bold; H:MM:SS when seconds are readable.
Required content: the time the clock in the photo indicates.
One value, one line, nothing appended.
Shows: **12:15**
